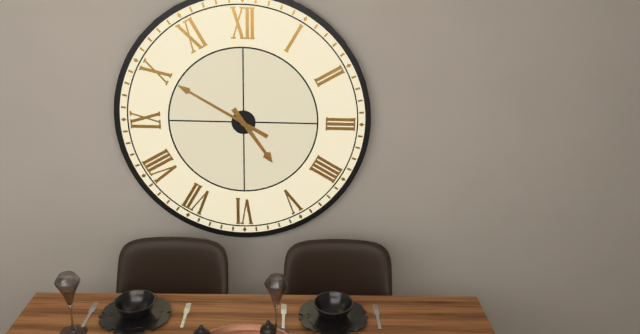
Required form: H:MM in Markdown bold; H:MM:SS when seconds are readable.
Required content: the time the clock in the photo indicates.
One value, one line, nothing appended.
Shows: **4:50**
